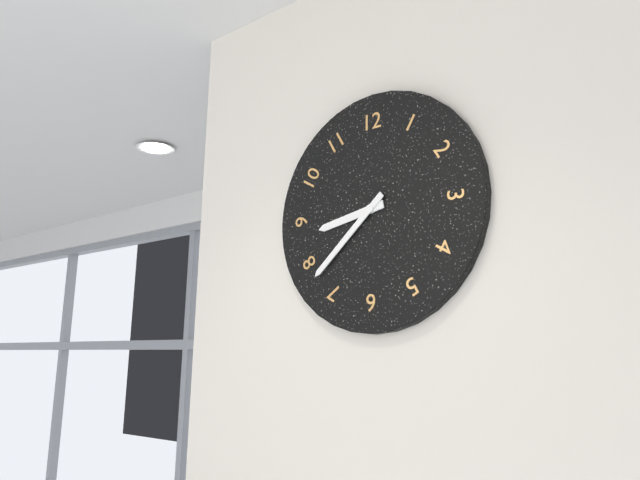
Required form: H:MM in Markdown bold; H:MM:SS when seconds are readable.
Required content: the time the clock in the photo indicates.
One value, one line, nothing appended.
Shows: **8:38**
